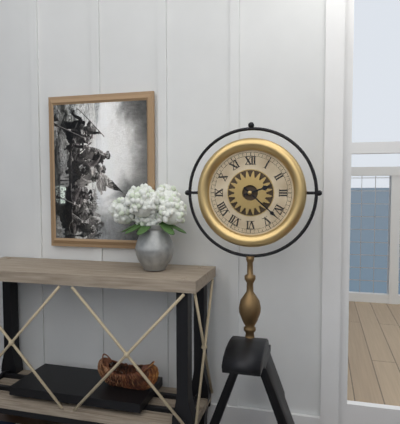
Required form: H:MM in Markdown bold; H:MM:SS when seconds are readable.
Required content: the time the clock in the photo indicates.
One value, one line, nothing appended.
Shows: **2:22**
